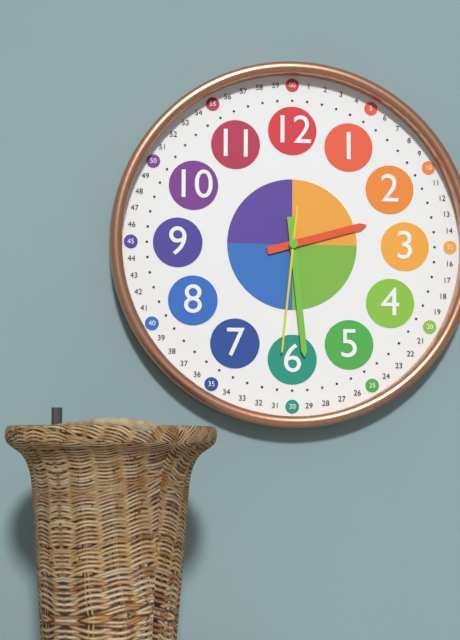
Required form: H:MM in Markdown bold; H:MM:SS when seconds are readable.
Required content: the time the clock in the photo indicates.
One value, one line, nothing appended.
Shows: **2:29:31**
